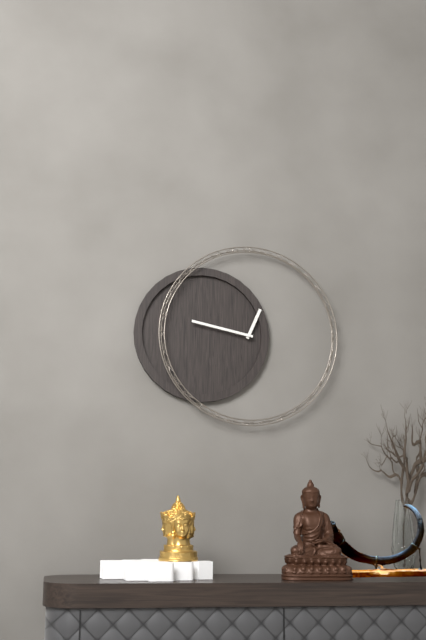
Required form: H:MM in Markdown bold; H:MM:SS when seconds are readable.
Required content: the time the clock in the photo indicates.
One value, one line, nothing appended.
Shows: **12:47**
